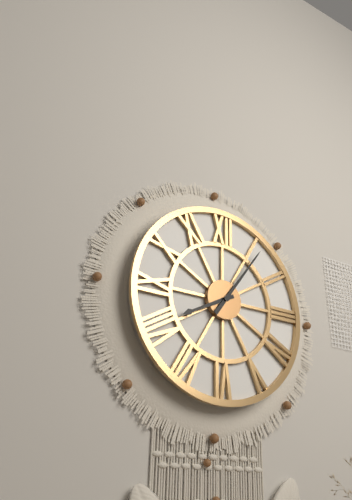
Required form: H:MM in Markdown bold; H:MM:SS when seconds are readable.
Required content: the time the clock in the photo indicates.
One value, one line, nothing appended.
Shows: **8:06**
